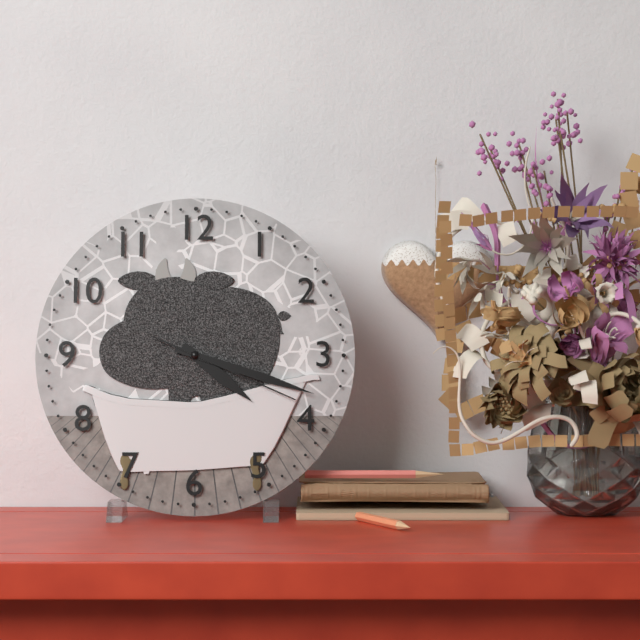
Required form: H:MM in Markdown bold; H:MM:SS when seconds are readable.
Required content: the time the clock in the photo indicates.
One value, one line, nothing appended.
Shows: **4:18:19**
